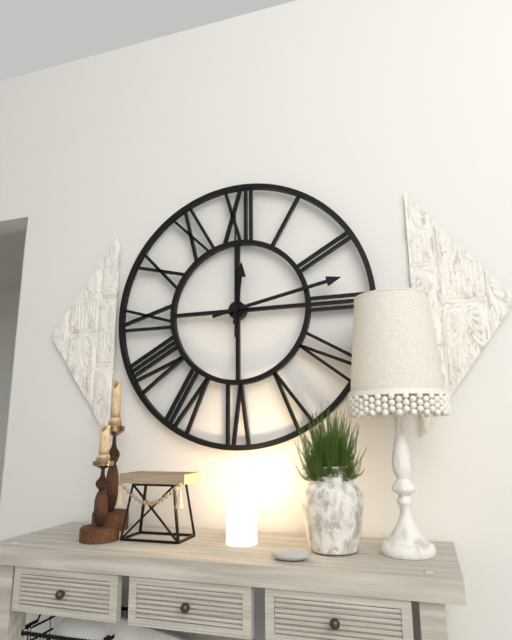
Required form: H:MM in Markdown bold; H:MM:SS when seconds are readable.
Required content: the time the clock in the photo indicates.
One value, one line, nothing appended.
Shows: **12:13:00**
